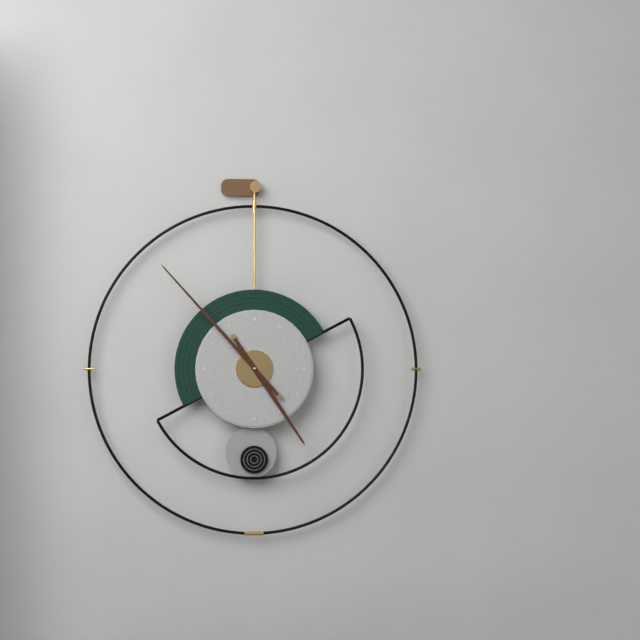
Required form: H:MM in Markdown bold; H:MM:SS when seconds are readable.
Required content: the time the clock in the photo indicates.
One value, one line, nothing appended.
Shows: **4:53**
